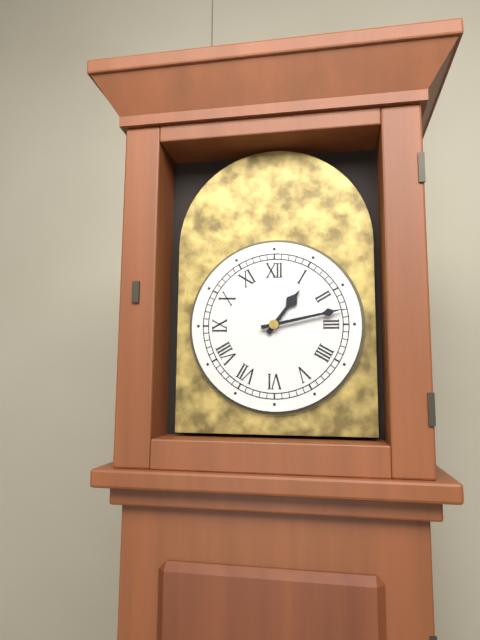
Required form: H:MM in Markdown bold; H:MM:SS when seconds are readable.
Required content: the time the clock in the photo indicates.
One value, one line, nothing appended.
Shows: **1:13**
